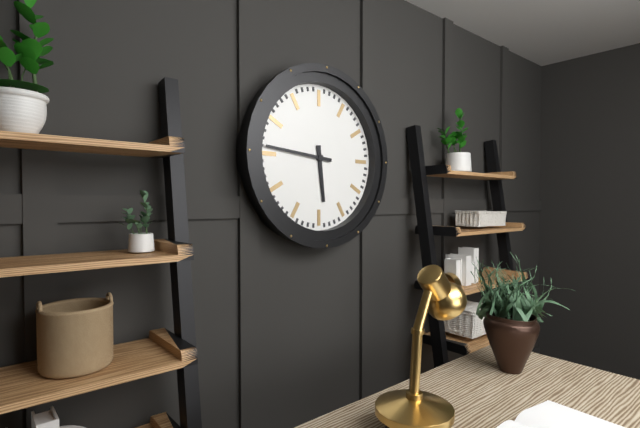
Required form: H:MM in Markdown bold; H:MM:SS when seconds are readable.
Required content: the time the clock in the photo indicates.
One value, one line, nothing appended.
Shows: **5:46**
